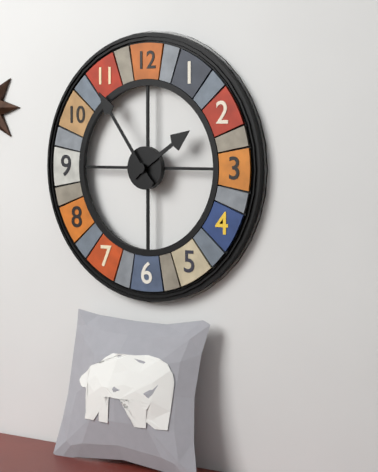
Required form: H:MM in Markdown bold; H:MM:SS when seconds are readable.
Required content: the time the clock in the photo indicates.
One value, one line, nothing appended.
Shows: **1:54**
